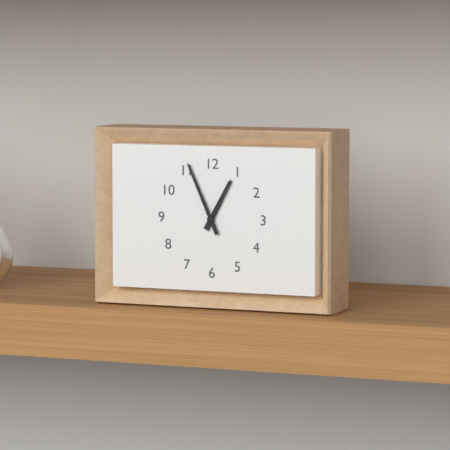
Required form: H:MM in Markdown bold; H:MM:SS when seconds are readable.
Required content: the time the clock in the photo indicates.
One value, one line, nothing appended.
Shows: **12:56**
